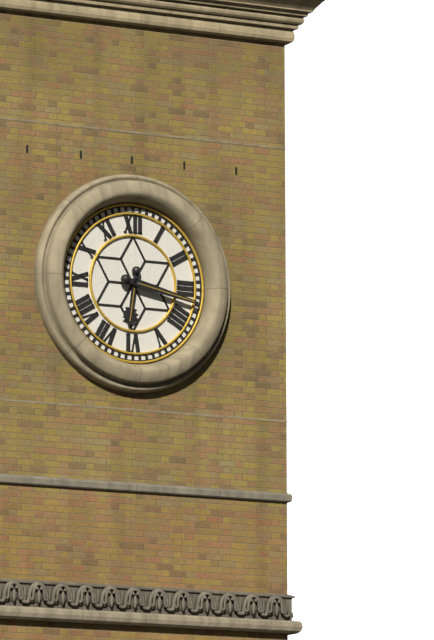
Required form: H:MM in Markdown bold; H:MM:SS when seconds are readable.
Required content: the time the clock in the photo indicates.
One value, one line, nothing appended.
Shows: **6:17**
